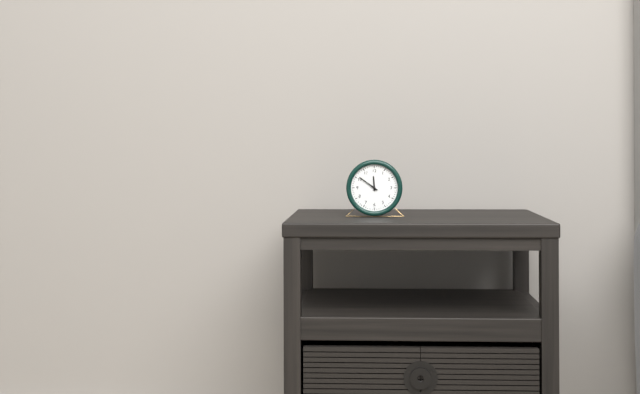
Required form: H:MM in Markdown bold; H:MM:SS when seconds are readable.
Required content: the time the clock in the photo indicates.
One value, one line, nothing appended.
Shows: **11:51**
